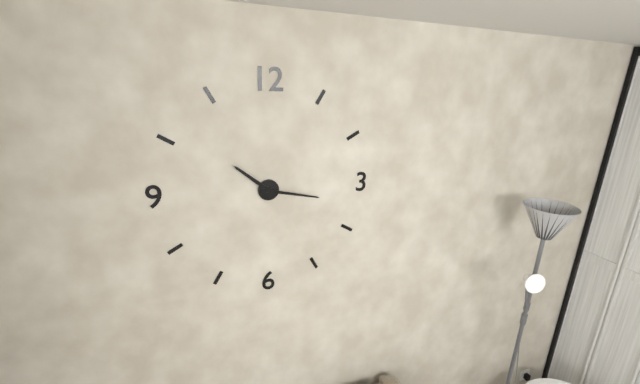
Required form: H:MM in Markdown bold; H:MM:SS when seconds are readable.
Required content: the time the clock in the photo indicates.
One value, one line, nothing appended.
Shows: **10:17**
